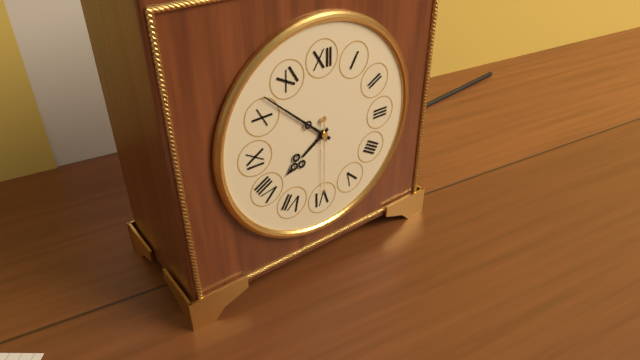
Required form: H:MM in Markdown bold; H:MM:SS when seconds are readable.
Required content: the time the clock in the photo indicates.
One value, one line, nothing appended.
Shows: **7:52:30**
